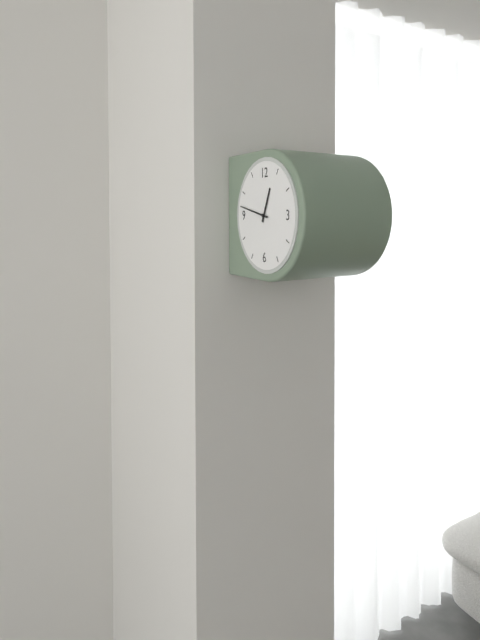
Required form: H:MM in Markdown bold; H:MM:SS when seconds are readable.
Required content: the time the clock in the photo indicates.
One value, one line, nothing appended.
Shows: **12:47**
